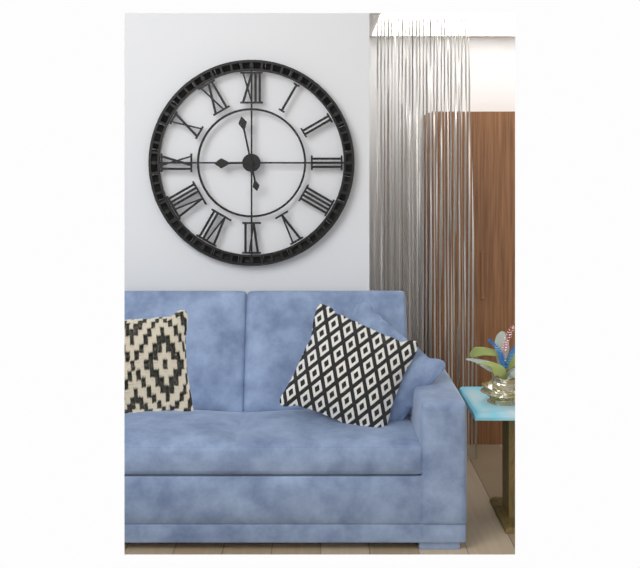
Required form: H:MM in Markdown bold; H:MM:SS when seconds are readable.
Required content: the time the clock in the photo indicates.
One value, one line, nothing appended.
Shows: **8:58**
